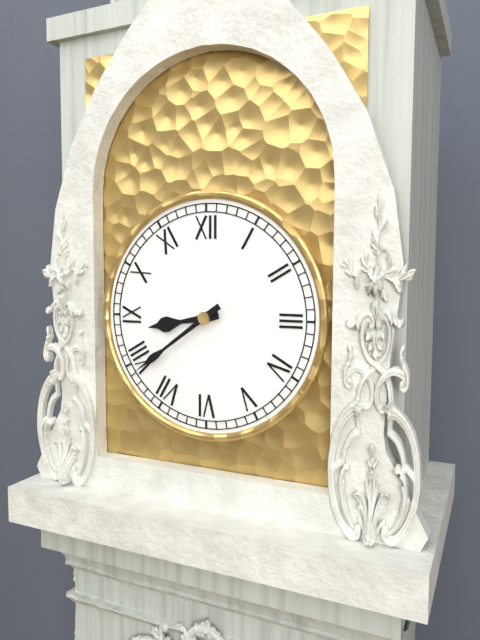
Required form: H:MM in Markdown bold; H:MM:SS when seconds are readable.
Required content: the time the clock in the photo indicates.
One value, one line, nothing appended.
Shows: **8:39**
